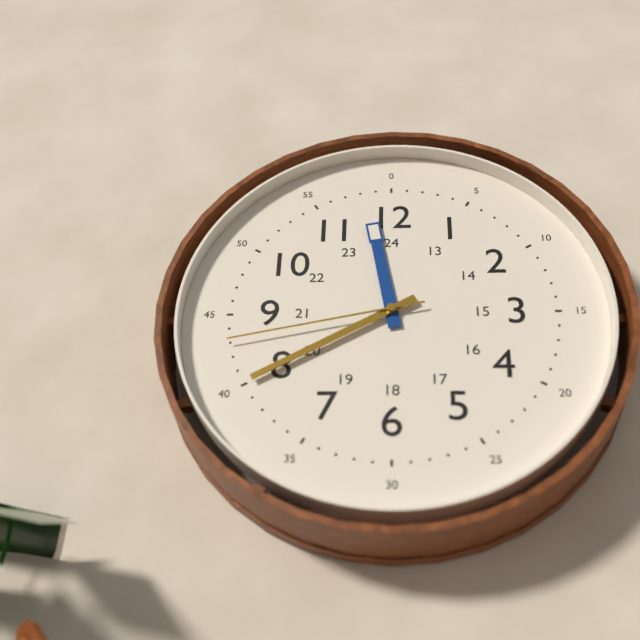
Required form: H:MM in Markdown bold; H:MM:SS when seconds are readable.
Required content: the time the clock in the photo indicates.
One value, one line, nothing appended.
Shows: **11:40:43**
